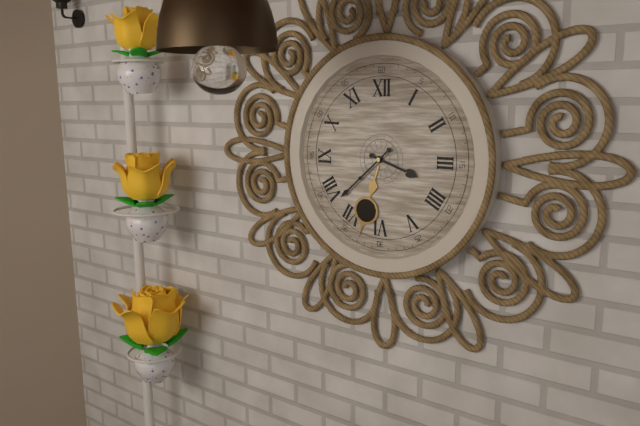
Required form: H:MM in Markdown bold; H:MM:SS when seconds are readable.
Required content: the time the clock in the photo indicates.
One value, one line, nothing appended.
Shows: **3:38**
